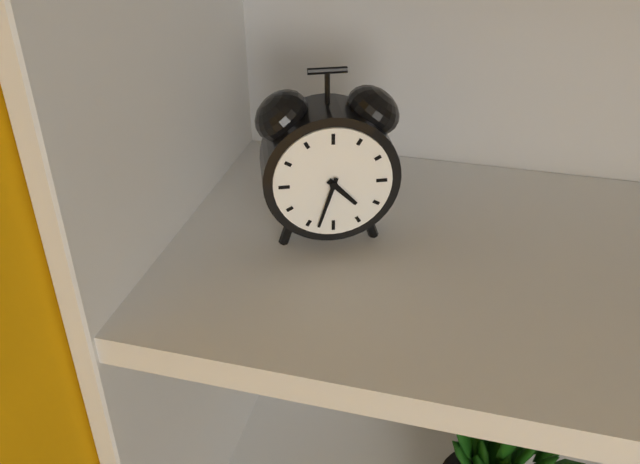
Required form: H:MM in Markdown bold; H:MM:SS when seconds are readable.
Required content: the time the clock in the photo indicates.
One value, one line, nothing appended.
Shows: **4:33**
